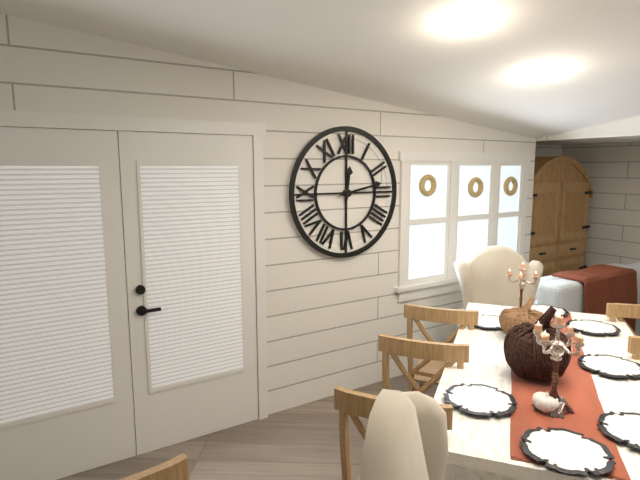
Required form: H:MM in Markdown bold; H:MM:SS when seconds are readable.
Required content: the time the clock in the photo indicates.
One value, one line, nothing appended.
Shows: **12:13**
